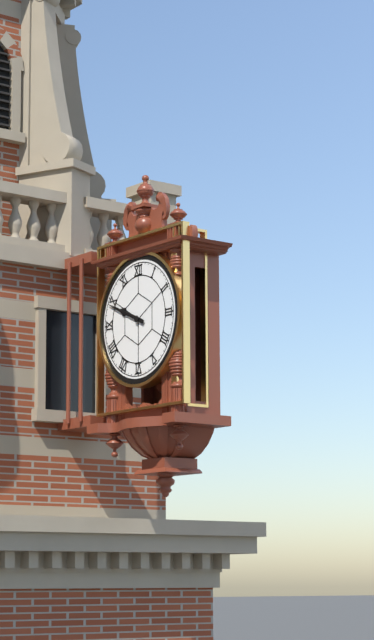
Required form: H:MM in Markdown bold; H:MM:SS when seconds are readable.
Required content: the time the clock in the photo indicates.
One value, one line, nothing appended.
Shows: **9:49**
